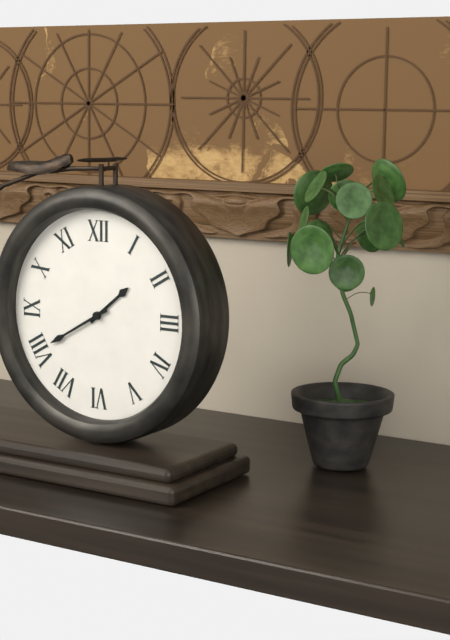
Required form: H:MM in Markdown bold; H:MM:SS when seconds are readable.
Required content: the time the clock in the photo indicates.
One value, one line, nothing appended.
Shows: **1:40**
